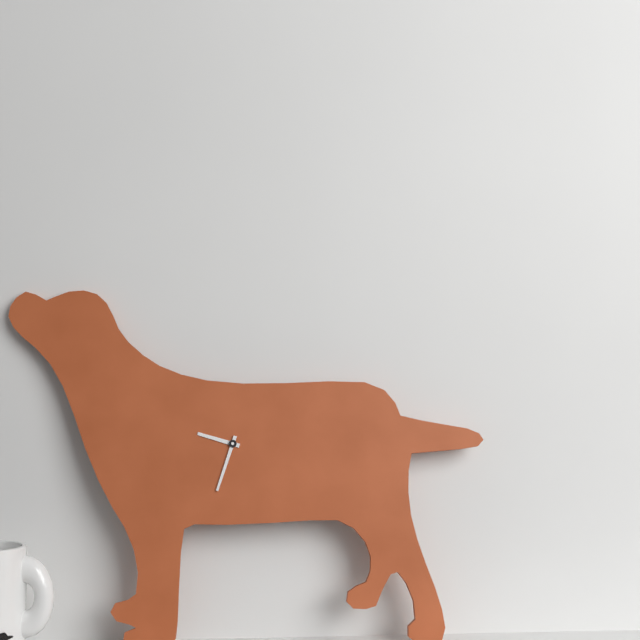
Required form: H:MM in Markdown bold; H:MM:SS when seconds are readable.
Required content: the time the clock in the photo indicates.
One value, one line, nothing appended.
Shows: **9:33**
